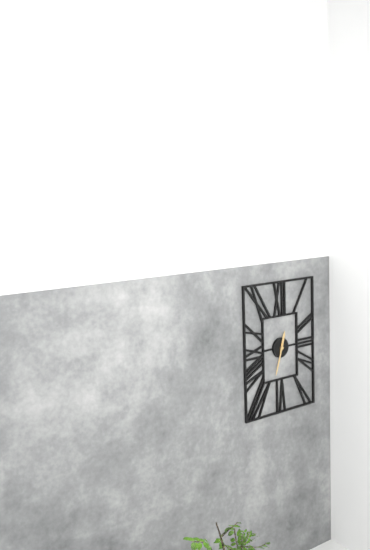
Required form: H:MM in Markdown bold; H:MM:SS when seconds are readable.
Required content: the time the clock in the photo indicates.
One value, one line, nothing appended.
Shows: **12:33**
